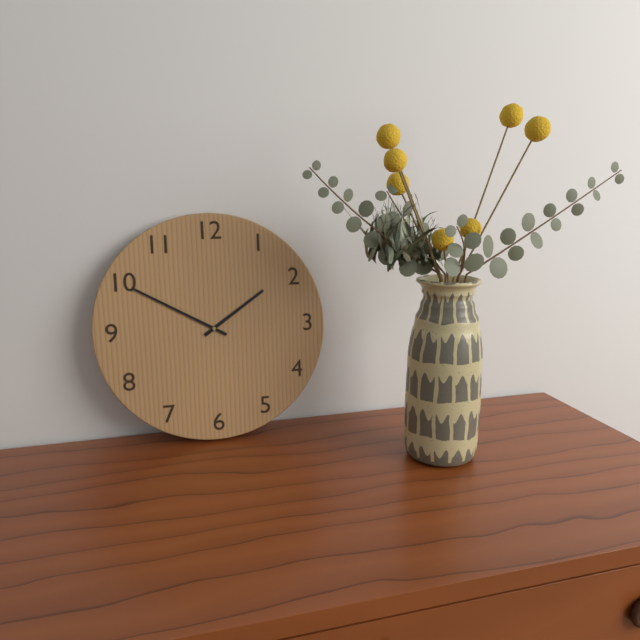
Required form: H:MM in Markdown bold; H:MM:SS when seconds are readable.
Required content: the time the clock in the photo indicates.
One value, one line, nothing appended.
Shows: **1:50**
